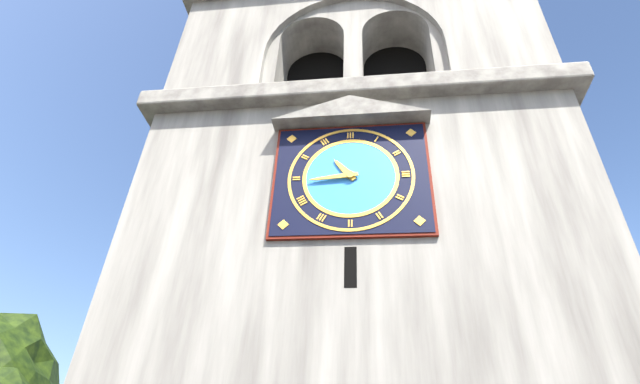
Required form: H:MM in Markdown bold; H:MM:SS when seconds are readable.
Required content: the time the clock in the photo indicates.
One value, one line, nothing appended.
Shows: **10:44**
